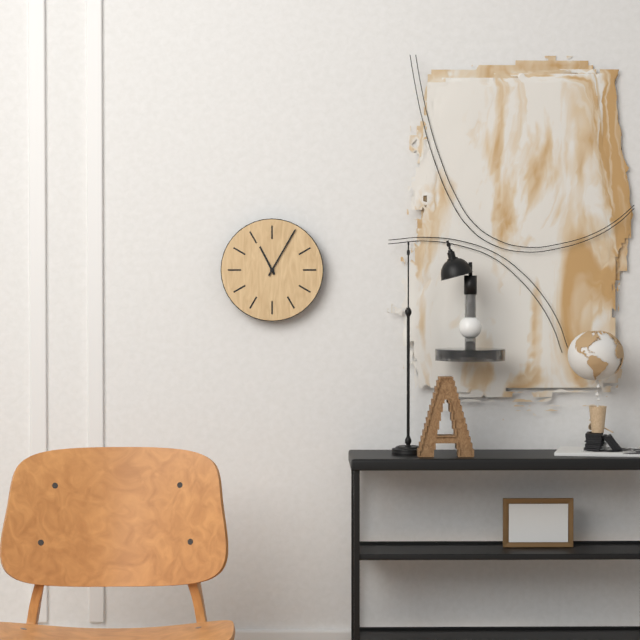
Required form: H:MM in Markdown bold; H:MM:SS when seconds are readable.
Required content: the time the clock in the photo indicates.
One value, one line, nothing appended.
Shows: **11:05**
